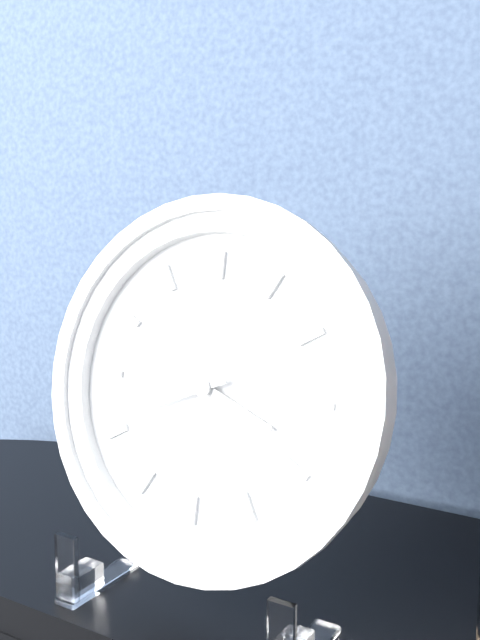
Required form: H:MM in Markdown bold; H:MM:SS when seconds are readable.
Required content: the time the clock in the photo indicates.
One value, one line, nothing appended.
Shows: **3:41**
